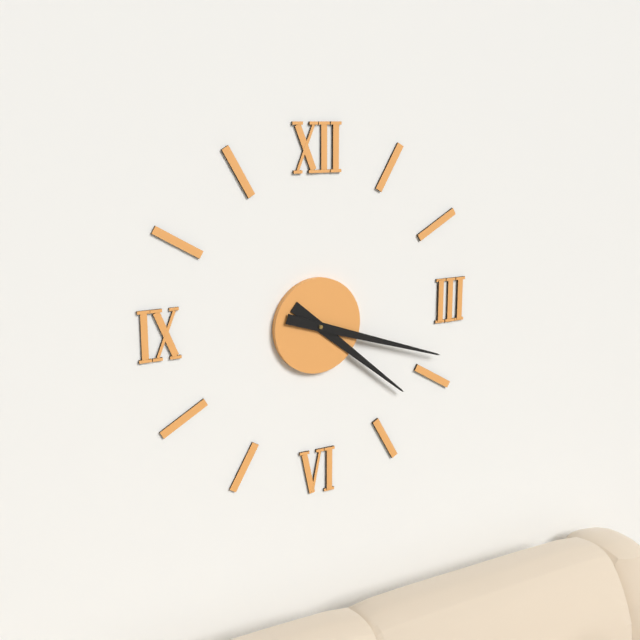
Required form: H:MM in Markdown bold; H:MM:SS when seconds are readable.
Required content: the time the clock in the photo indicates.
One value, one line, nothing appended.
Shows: **4:18**
